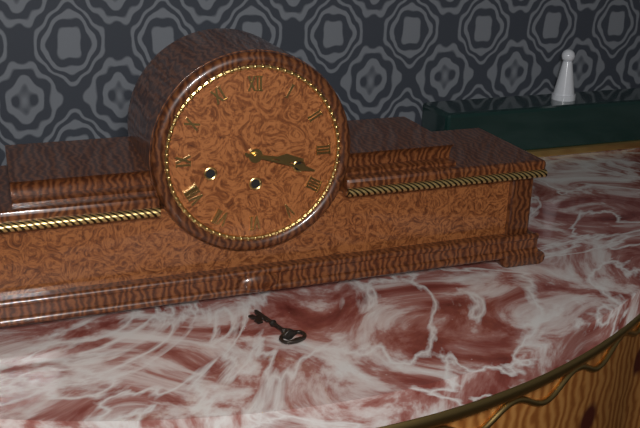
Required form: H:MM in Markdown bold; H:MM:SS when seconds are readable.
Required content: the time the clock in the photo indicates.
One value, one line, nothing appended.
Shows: **3:18**
